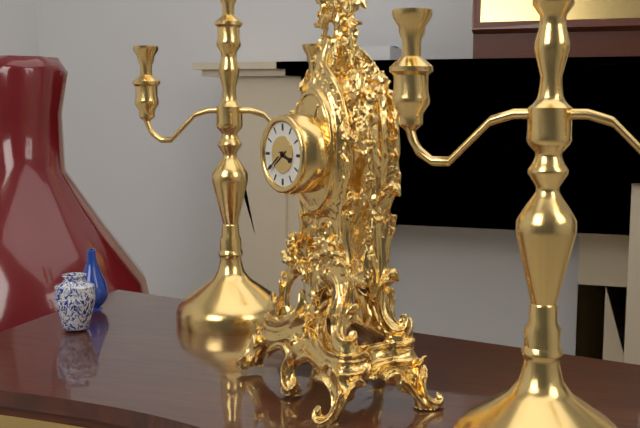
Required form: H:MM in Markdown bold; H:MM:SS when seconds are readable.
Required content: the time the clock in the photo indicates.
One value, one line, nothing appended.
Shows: **3:39**
